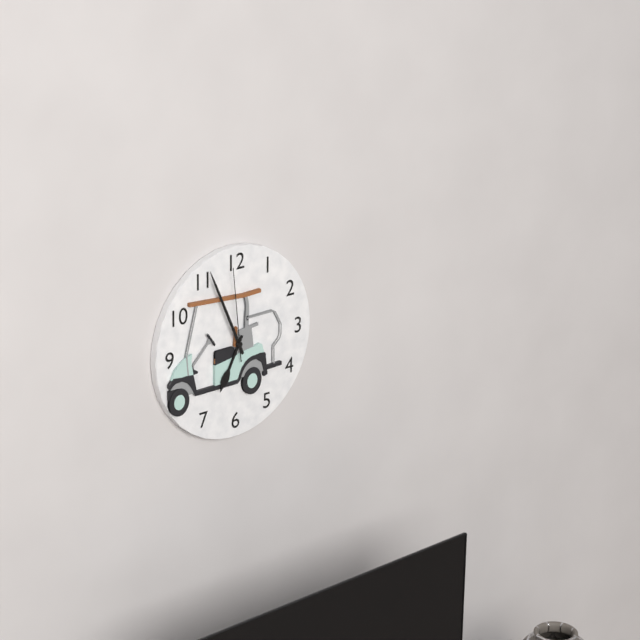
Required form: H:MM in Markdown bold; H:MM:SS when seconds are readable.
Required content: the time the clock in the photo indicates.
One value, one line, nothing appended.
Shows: **6:56:59**
